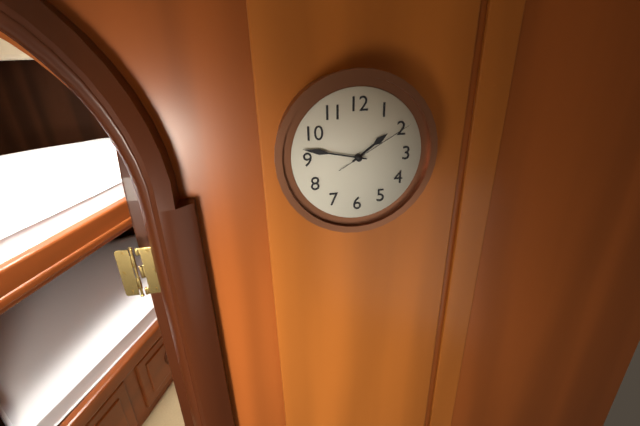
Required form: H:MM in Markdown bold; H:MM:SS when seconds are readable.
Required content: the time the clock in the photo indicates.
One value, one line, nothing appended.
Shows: **1:47:10**
